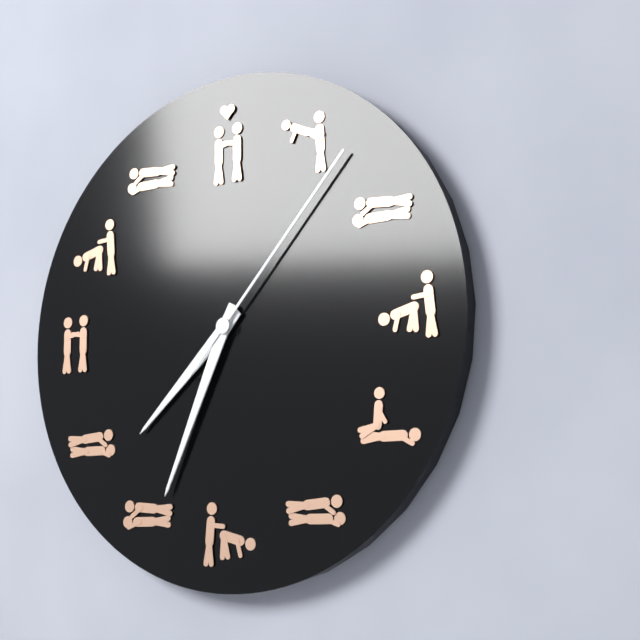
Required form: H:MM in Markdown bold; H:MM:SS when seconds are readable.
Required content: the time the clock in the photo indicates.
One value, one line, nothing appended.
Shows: **7:34:07**
